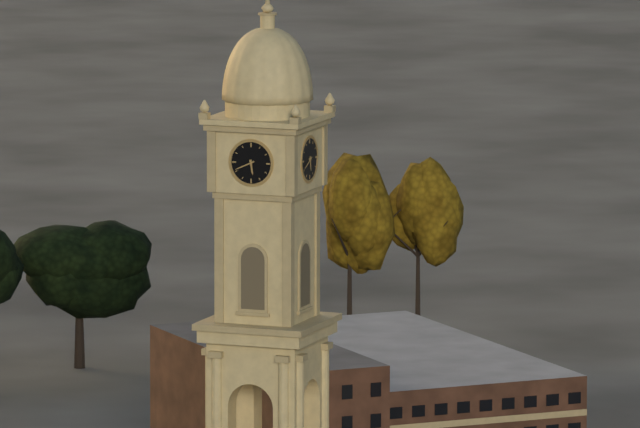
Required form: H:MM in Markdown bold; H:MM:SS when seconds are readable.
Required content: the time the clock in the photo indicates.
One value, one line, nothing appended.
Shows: **5:41**
